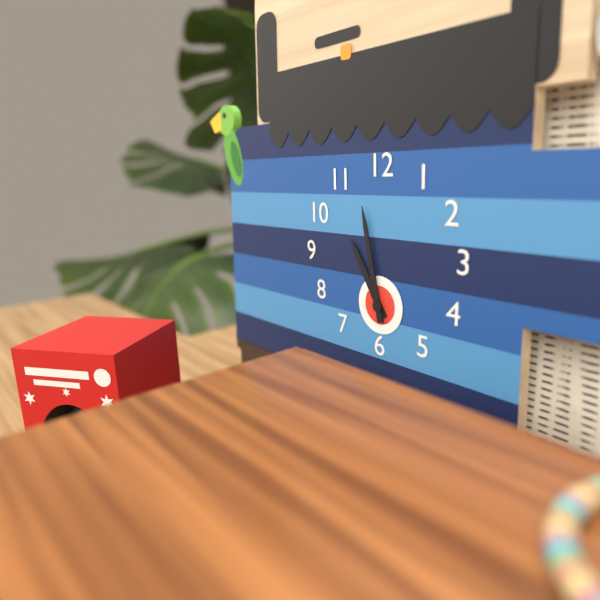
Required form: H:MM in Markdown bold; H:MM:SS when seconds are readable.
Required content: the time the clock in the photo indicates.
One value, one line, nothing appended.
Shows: **10:58**
